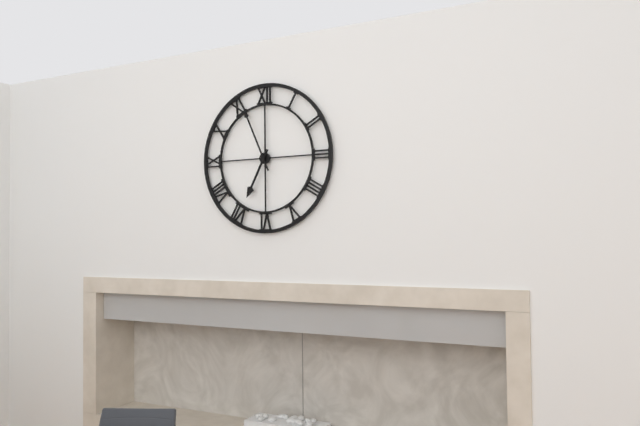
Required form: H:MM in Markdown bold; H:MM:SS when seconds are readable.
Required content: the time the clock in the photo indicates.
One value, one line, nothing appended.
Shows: **6:56**
